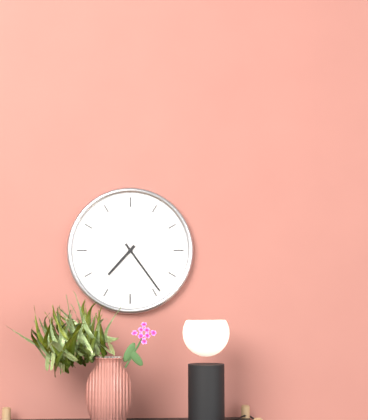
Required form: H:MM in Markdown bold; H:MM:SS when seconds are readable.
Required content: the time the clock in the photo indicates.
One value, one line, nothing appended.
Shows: **7:24**
